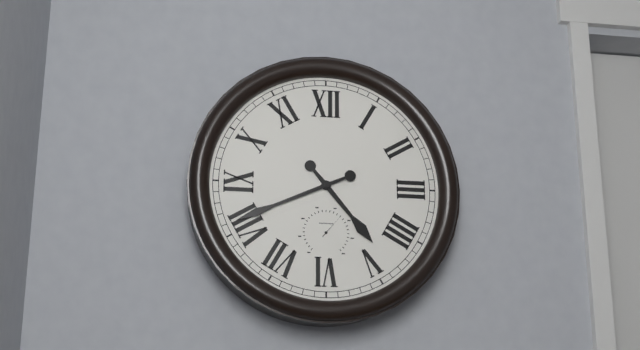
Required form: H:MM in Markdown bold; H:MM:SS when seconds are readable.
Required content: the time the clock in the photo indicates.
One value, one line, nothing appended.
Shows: **4:41**
